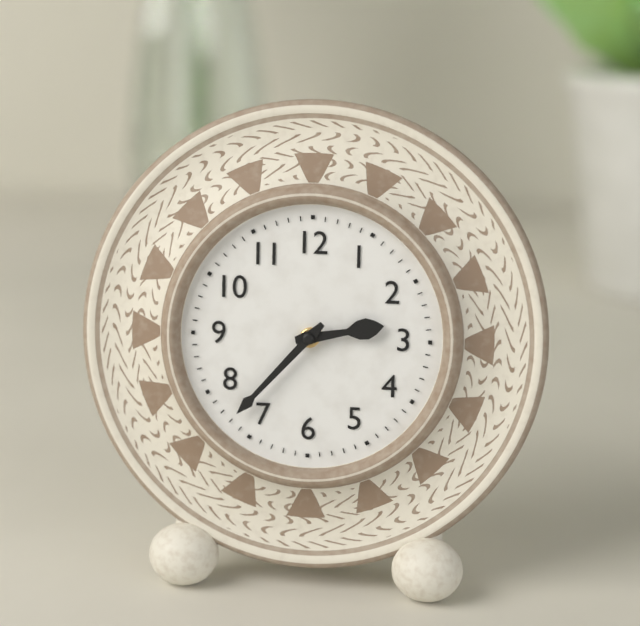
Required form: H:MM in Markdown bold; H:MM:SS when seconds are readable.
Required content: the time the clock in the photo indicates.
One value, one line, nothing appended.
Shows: **2:37**
